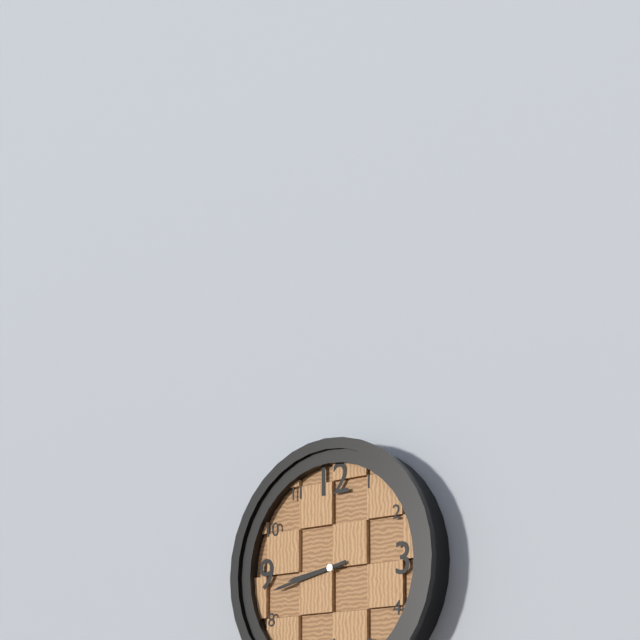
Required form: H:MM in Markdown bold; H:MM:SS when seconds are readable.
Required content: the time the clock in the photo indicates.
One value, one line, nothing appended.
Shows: **8:43**
